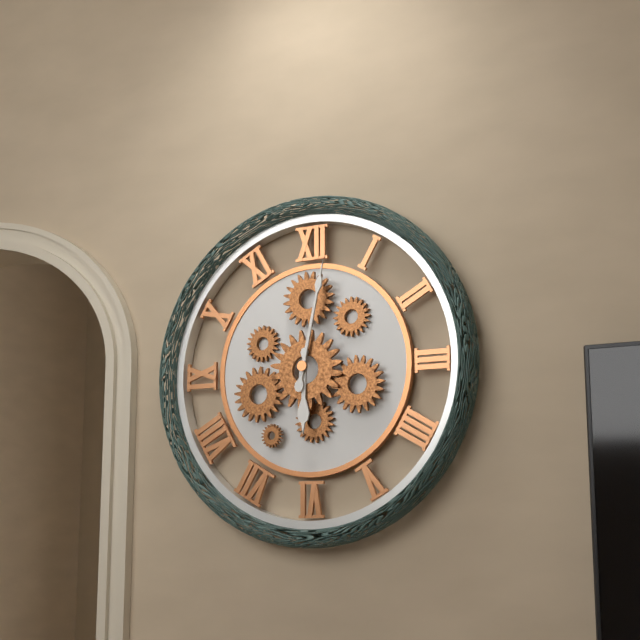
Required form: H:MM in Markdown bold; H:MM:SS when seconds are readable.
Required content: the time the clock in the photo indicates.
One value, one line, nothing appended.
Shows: **6:02**
